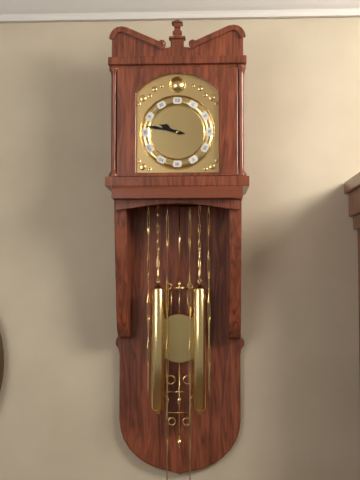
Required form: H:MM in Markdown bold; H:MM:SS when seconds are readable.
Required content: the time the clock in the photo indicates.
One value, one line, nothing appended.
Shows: **9:47**
